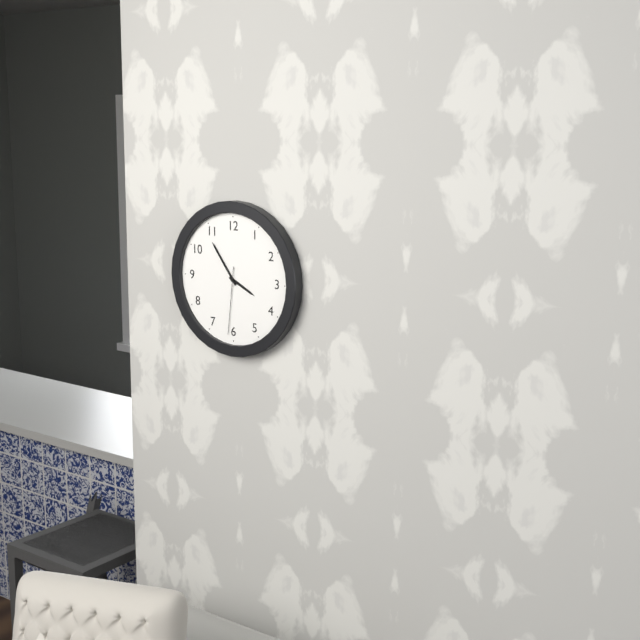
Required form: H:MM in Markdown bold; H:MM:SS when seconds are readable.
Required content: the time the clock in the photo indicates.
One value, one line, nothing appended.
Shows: **3:54:31**
